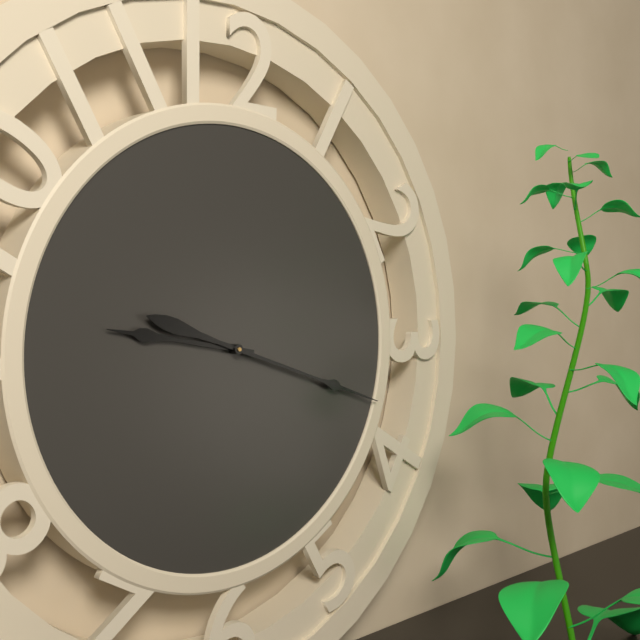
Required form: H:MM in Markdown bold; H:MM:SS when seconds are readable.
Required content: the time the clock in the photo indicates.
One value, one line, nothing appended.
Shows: **9:18**
